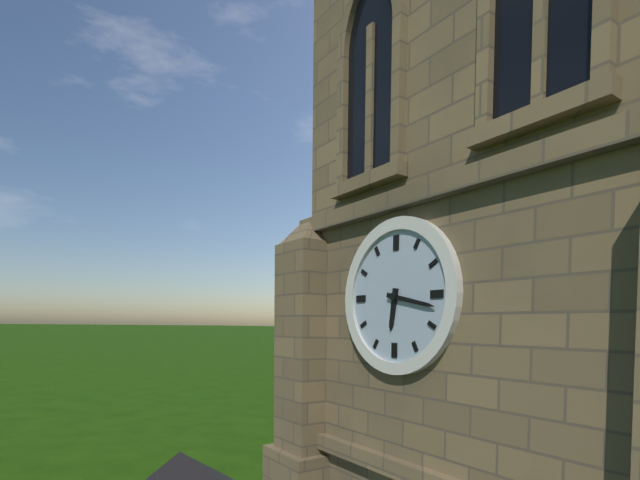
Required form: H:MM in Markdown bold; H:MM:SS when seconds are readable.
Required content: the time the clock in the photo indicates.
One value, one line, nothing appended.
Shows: **6:17**
